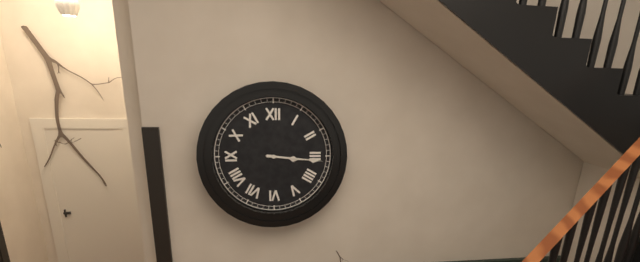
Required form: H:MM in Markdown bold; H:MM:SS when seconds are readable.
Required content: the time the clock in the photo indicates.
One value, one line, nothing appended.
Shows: **3:16**
